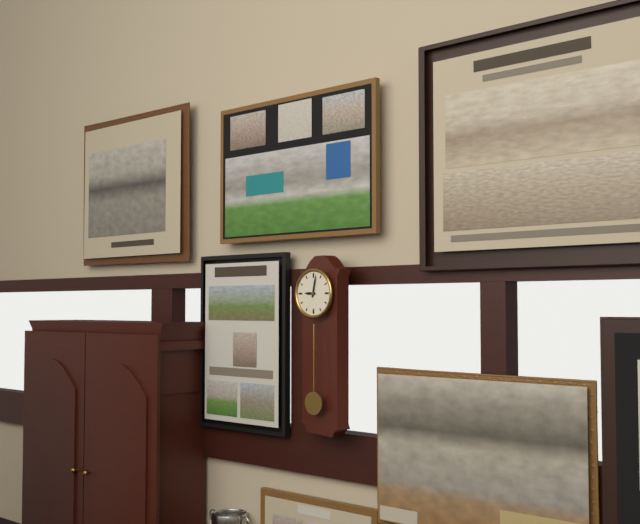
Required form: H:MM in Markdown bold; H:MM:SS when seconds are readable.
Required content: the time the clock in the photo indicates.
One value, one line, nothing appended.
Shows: **9:02**
